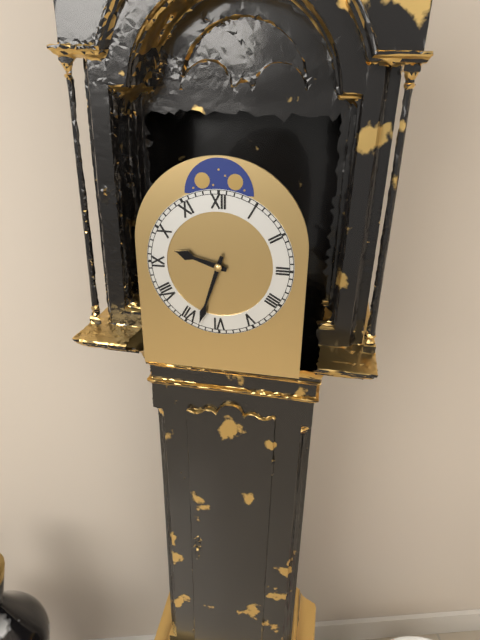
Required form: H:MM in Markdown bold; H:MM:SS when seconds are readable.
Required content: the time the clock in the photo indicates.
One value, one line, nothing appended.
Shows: **9:33**
